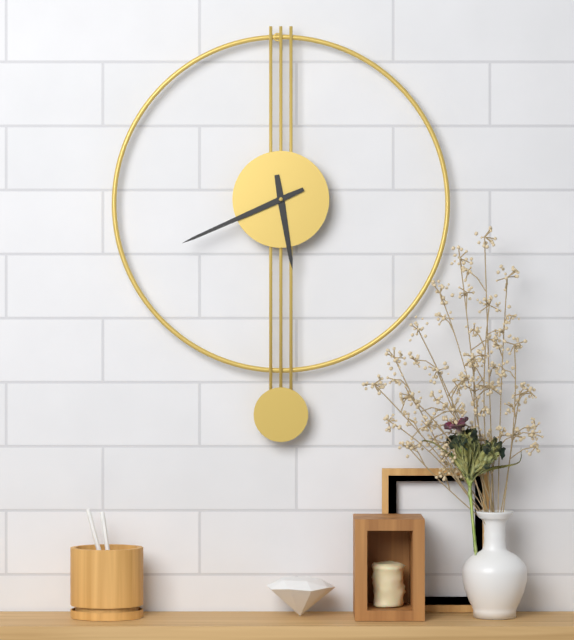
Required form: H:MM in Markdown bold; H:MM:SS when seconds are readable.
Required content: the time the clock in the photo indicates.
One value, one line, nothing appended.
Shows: **5:41**
